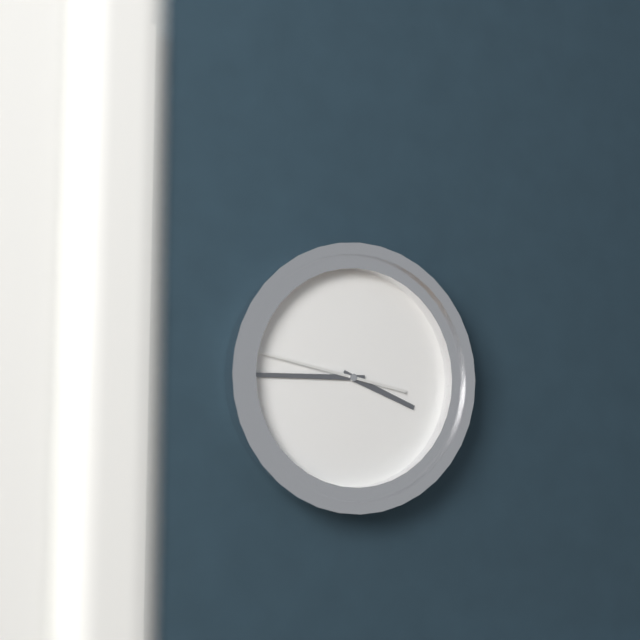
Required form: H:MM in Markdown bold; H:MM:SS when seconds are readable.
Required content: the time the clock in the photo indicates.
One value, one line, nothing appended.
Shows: **3:45:47**
